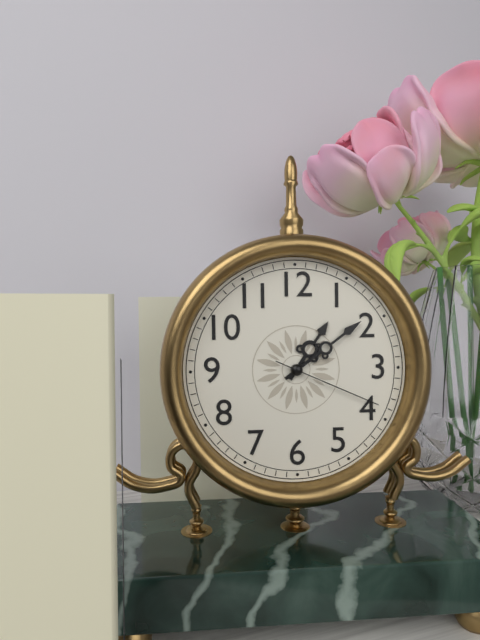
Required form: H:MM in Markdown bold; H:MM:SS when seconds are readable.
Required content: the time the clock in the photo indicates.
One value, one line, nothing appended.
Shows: **1:09:19**
